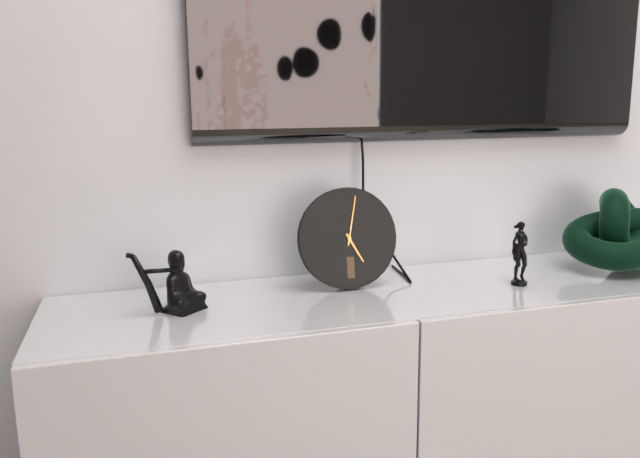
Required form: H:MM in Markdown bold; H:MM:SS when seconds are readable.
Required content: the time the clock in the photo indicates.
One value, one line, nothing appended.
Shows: **5:02**
